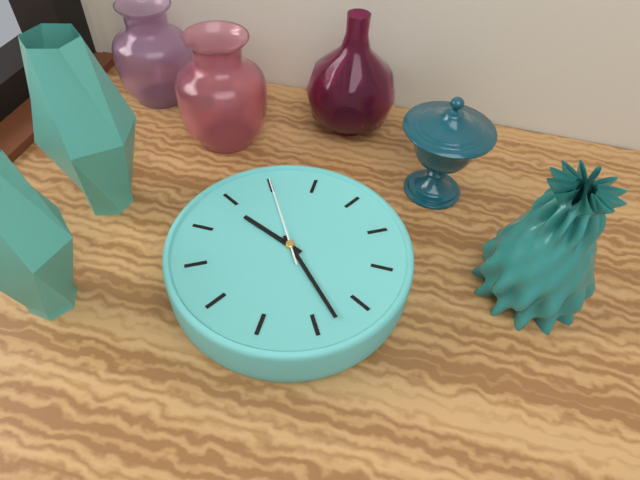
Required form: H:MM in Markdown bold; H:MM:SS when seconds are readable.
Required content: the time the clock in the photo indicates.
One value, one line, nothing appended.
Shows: **2:48:20**
